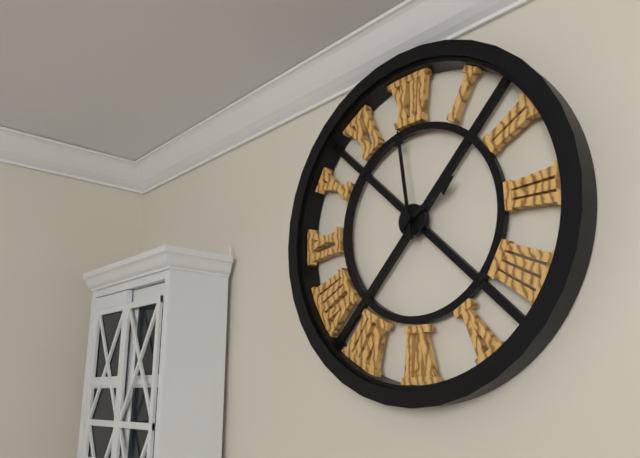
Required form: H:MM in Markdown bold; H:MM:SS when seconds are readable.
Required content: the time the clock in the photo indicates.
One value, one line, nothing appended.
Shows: **1:59**
